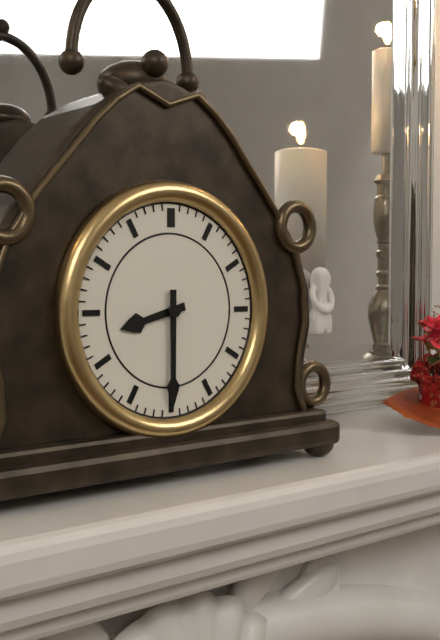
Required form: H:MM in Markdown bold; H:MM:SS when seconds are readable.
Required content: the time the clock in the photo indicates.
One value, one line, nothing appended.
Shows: **8:30**
